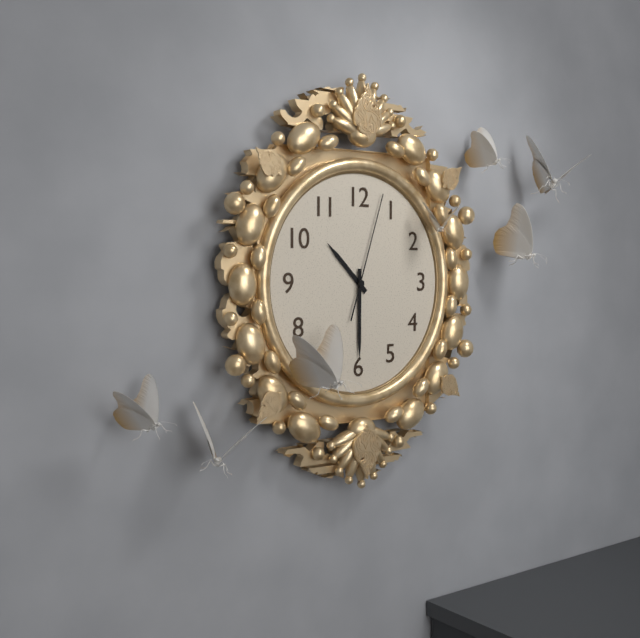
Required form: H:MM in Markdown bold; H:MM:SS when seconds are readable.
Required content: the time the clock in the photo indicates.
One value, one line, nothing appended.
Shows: **10:30:03**
